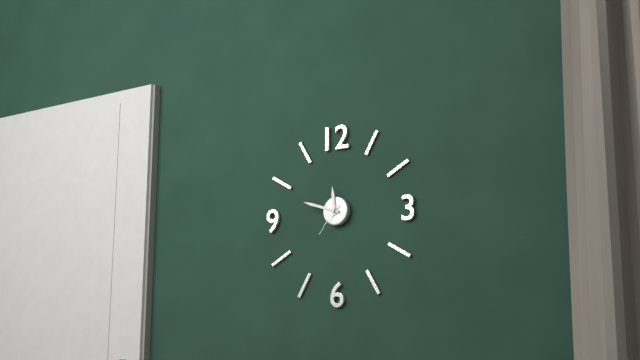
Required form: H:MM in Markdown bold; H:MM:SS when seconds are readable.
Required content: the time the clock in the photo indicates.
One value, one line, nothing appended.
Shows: **11:48**
